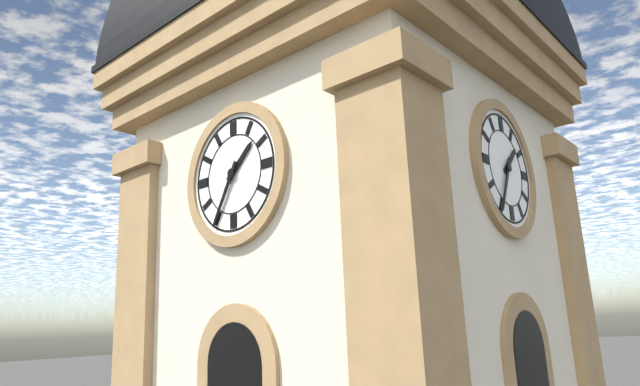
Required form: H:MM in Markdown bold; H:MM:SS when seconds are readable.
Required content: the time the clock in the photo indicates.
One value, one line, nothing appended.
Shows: **1:35**
